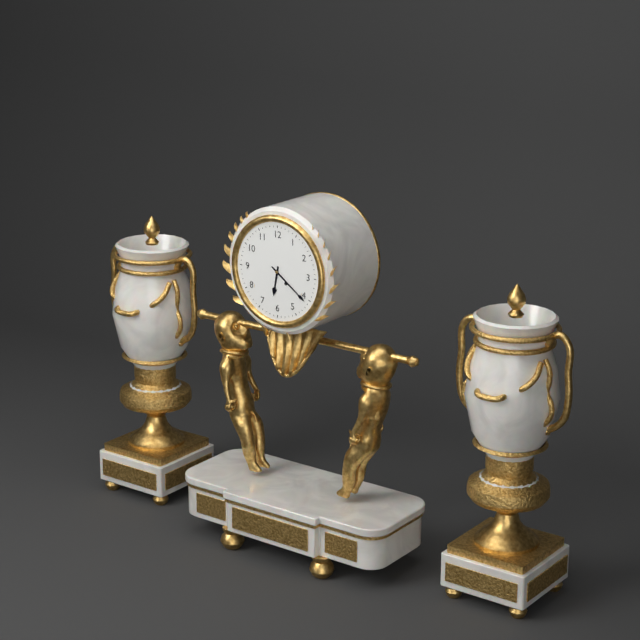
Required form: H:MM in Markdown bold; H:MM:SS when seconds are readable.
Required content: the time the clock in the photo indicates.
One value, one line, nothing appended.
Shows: **6:21**
